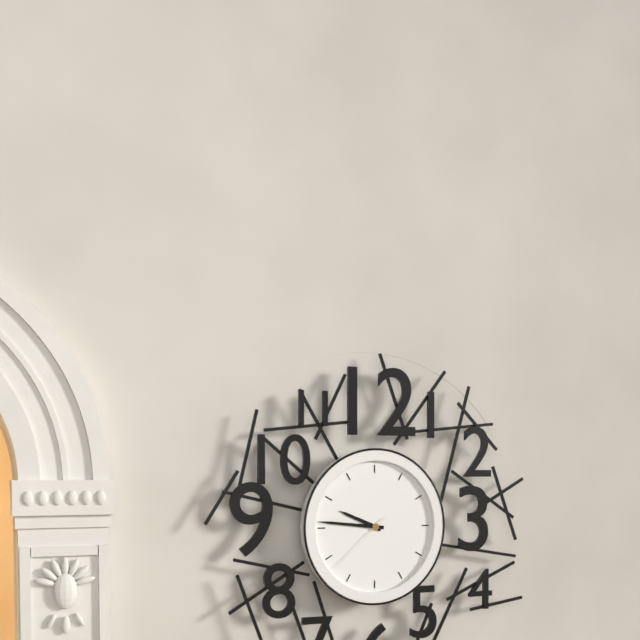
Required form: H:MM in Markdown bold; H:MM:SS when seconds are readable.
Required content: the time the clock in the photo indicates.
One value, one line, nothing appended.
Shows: **9:46:38**
